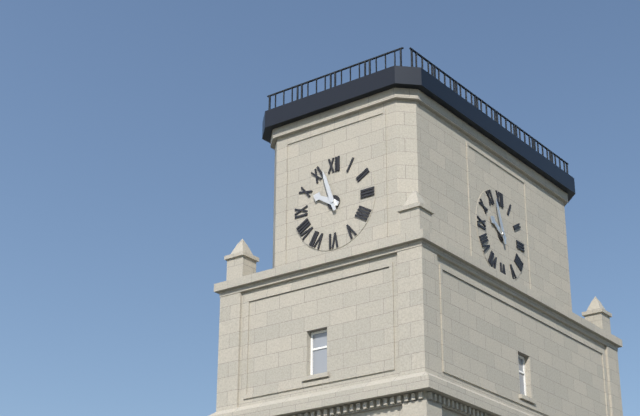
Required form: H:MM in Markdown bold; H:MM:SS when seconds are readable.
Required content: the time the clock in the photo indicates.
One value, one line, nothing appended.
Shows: **9:57**
